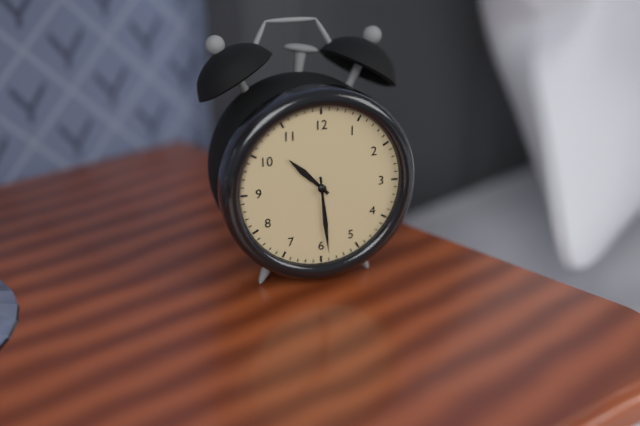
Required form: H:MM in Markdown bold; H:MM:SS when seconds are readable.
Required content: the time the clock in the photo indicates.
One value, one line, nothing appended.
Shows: **10:29**
